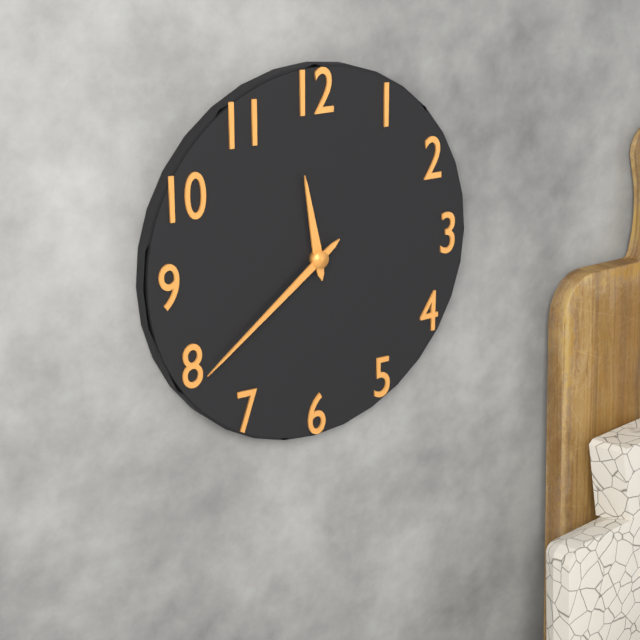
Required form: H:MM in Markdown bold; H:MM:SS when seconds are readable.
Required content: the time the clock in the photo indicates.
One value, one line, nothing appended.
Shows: **11:39**
